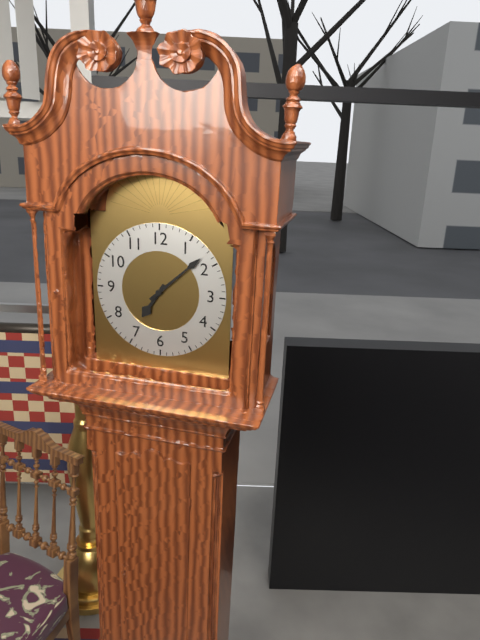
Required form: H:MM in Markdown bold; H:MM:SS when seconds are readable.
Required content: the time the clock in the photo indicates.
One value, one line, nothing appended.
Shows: **7:08**
